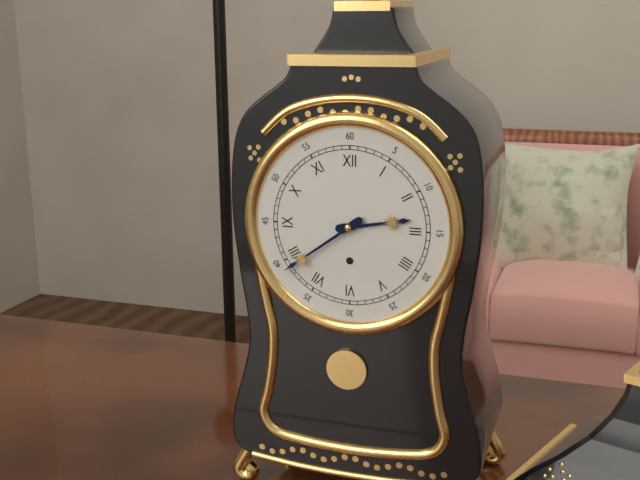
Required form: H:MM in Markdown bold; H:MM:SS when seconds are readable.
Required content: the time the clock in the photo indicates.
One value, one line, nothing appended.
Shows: **2:39**
